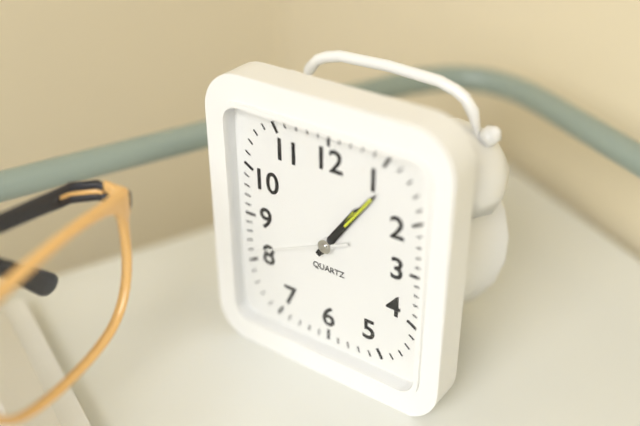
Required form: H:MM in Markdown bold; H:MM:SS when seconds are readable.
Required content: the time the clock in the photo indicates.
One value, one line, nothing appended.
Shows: **1:06:41**
